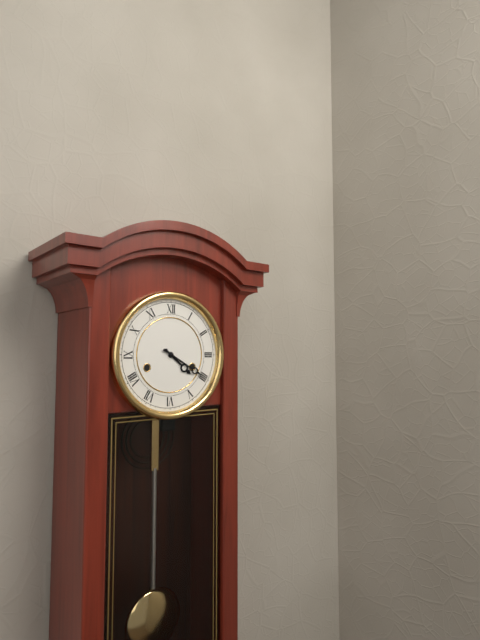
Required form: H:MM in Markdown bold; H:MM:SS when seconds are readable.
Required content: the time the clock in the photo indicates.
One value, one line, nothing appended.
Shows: **4:20**
